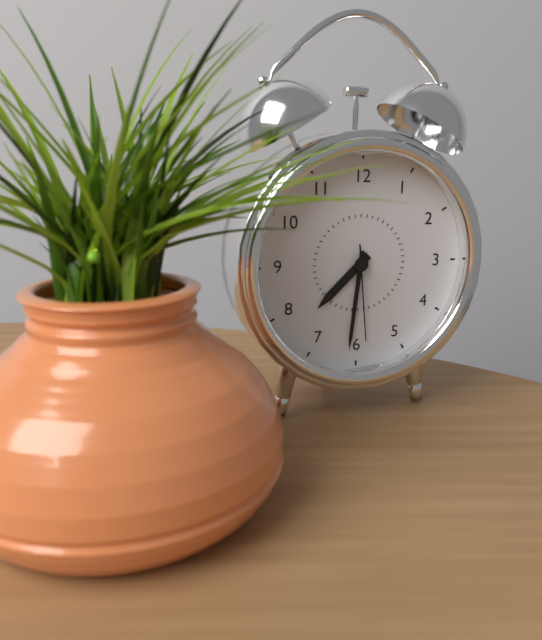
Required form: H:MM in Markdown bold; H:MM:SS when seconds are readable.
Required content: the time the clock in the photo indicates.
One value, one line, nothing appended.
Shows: **7:31:29**
